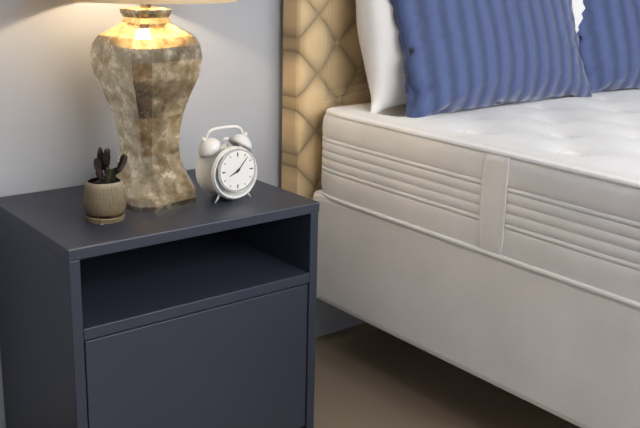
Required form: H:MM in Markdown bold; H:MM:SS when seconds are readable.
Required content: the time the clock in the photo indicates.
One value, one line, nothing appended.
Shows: **8:07**
